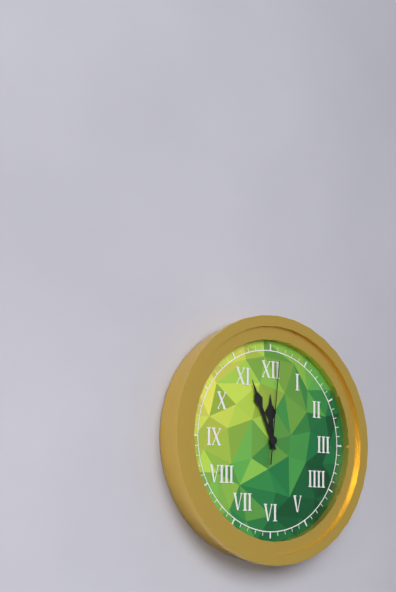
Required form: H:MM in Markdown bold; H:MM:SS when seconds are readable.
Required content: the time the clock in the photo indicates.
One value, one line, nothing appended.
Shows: **11:56:01**
